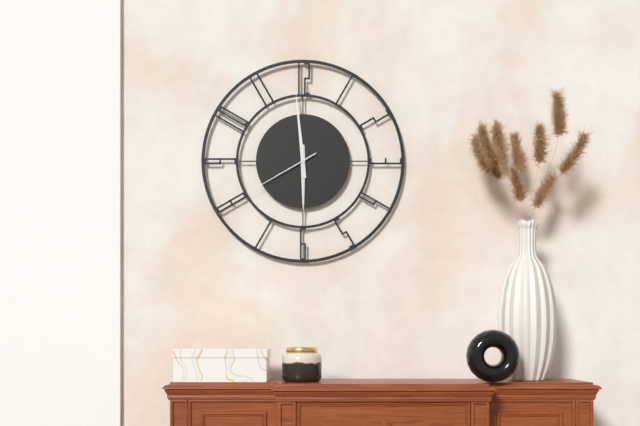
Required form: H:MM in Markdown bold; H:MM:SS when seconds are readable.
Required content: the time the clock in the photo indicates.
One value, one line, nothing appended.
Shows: **5:59:40**
